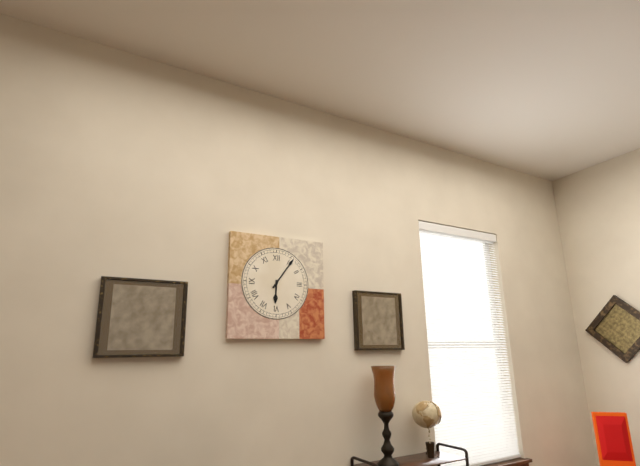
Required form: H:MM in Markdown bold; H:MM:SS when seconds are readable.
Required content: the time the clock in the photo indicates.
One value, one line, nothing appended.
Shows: **6:06**
